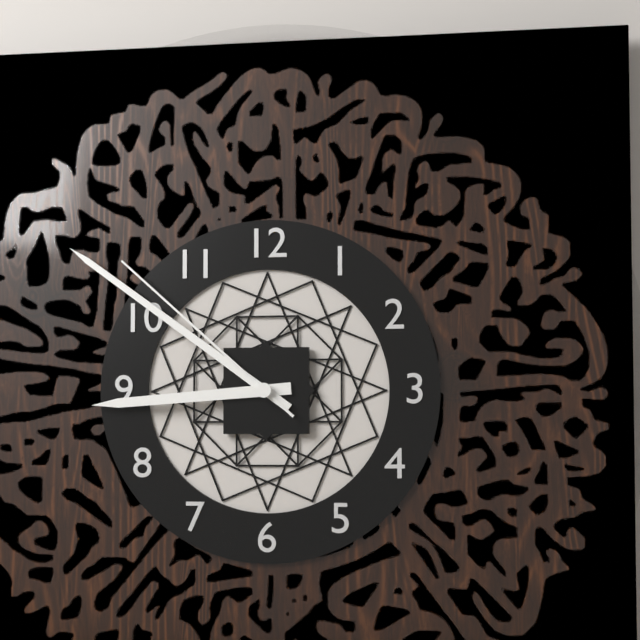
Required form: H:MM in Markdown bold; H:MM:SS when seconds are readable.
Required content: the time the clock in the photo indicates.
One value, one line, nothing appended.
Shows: **8:51:52**
